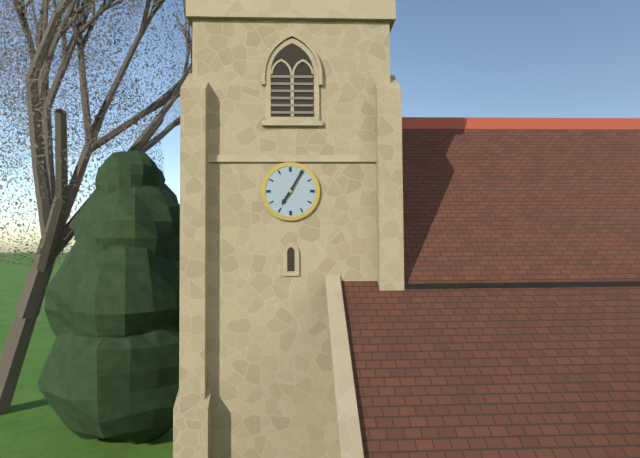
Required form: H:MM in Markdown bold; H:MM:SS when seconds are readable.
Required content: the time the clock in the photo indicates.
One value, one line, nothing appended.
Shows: **7:05**
